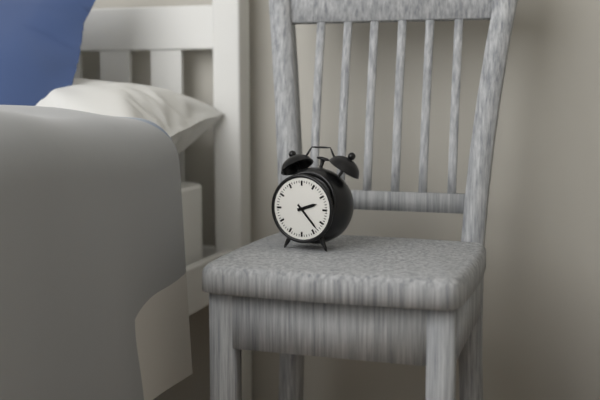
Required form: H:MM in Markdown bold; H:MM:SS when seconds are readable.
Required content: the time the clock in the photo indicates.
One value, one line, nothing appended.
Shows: **2:23**
